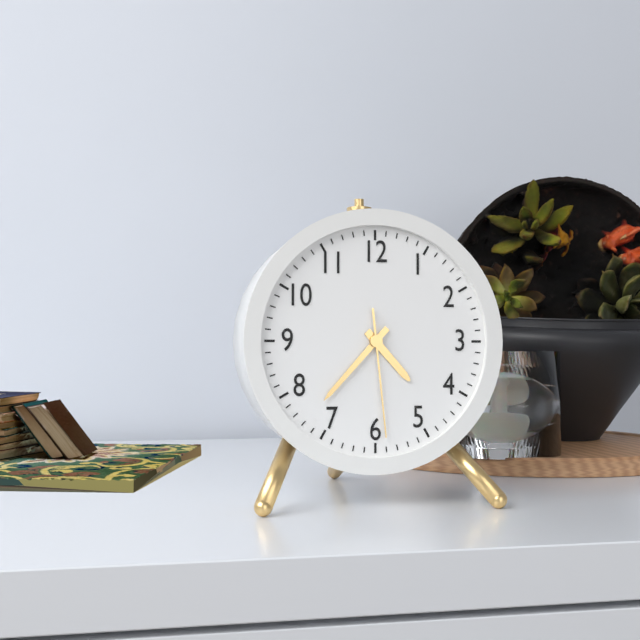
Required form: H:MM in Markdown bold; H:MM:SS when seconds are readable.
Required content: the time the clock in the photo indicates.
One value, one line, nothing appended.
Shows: **4:37:29**
